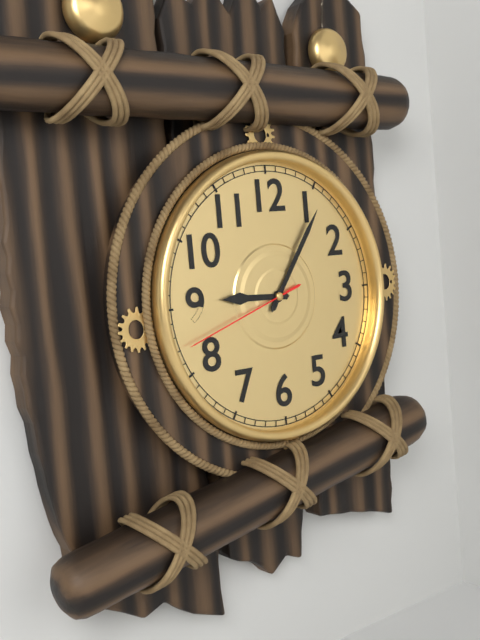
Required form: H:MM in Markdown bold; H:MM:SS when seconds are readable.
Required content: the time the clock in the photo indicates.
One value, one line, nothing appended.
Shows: **9:06:42**
